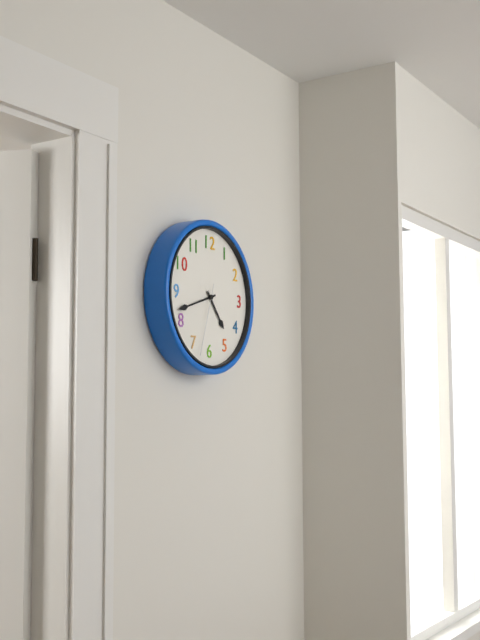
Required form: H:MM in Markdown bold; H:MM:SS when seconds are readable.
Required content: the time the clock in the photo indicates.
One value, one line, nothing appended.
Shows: **4:42:33**
